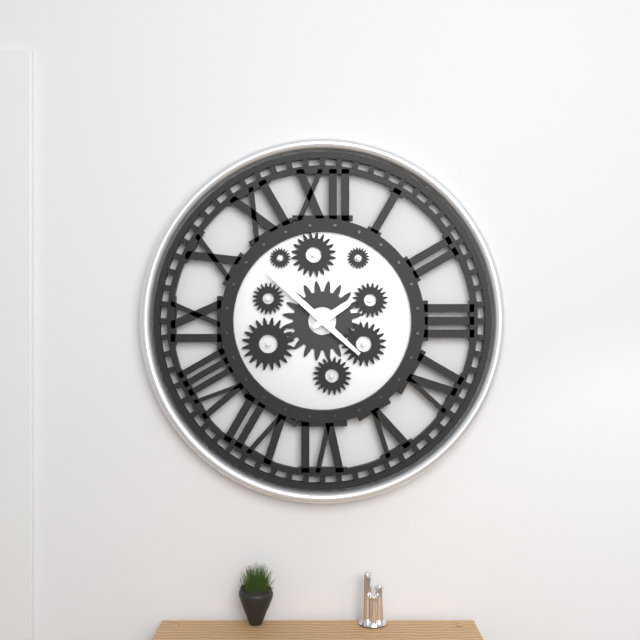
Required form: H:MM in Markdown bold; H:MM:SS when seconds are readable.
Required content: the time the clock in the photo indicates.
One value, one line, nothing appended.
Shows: **1:52**
